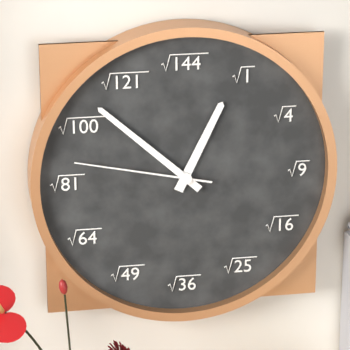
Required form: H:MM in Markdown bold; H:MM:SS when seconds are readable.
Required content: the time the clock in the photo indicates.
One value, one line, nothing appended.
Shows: **12:52:47**
